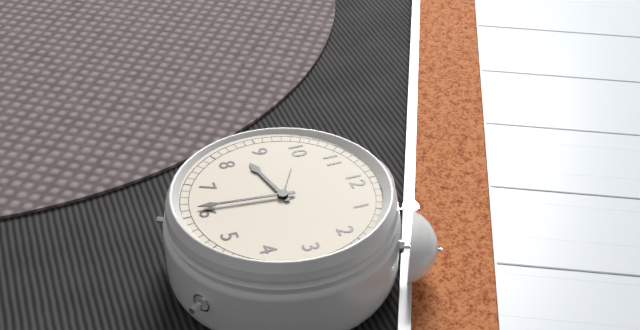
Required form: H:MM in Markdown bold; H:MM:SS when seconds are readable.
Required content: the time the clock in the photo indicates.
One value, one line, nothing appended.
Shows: **8:31**
